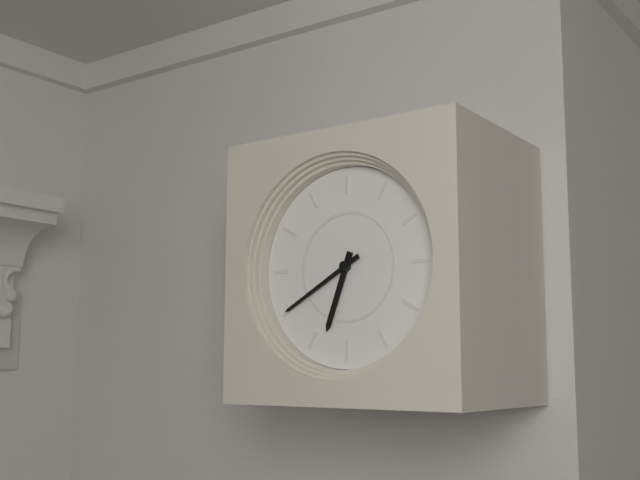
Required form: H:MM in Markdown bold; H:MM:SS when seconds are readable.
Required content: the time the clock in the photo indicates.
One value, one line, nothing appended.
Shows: **6:40**
